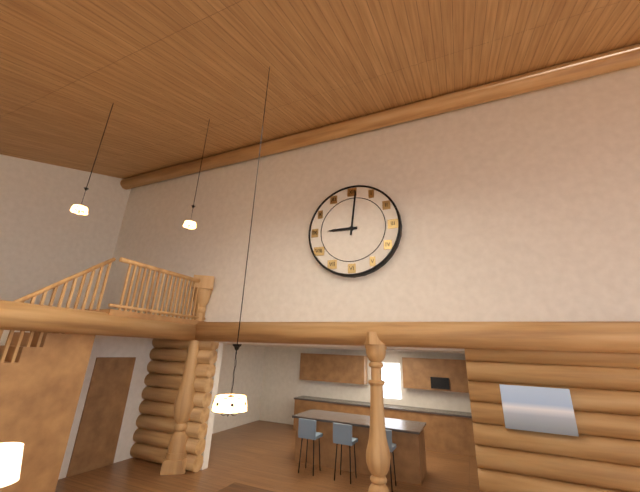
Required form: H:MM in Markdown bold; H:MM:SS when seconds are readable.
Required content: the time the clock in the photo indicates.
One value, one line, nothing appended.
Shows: **9:01**
